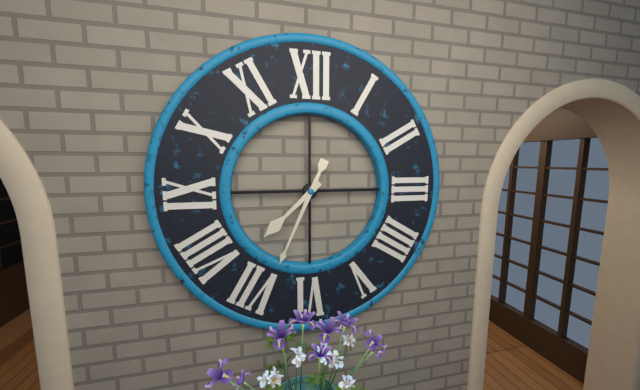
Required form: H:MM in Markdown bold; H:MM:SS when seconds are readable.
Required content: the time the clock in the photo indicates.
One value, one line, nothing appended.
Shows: **7:34**
